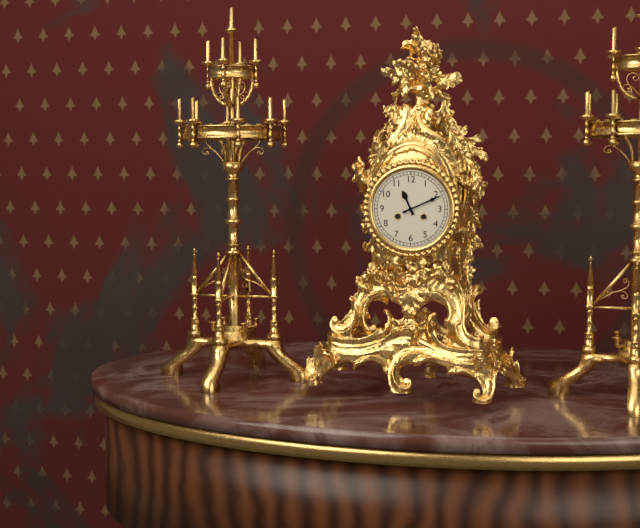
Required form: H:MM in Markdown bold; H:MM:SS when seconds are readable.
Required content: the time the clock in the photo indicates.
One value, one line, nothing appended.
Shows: **11:11**
